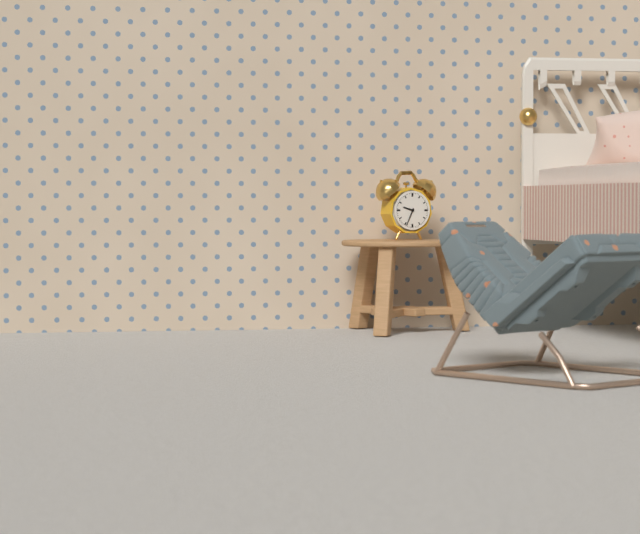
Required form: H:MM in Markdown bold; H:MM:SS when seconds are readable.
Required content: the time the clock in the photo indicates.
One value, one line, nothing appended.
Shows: **9:34**
